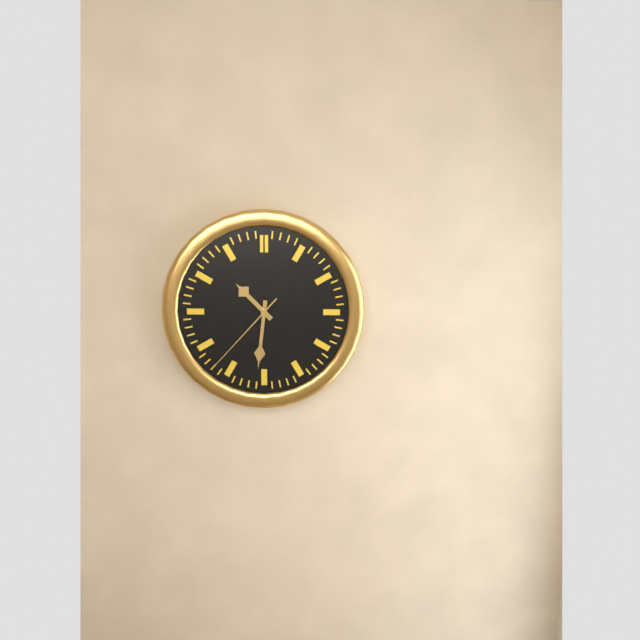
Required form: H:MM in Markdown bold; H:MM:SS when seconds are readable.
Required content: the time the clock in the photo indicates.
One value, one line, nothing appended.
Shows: **10:31:37**
